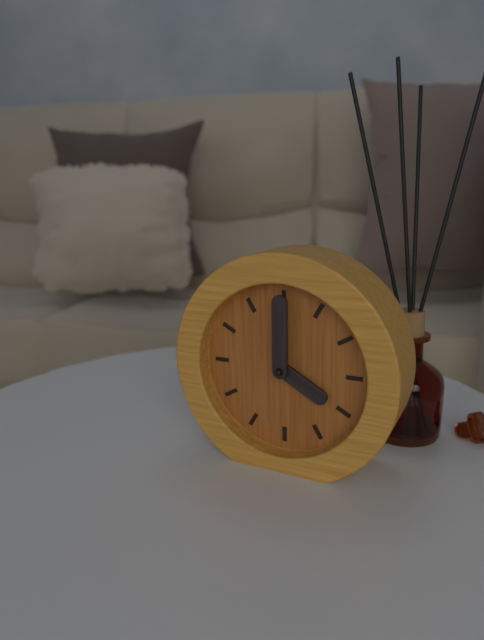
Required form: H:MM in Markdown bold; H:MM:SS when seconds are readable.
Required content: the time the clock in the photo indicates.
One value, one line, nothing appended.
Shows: **4:00**
